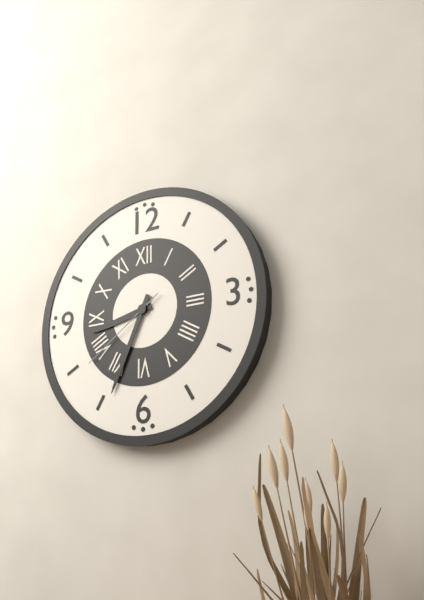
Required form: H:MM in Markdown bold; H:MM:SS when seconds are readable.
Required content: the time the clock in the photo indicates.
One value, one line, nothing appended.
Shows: **8:34:39**
